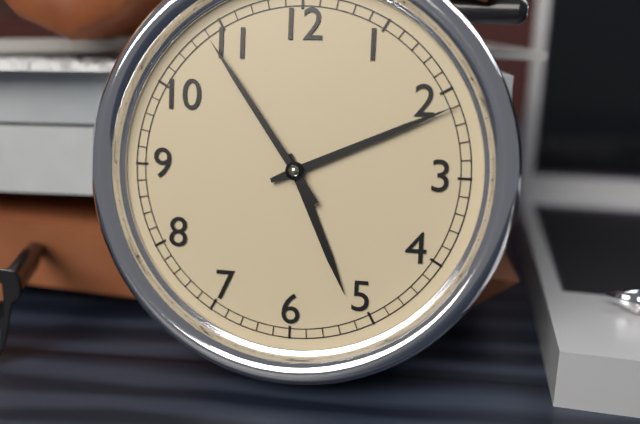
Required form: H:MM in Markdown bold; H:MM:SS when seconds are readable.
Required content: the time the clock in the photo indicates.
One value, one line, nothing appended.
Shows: **5:11:54**
